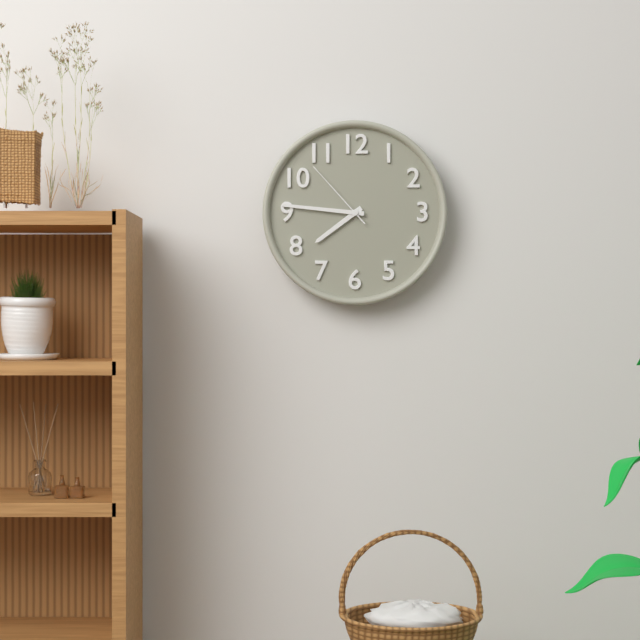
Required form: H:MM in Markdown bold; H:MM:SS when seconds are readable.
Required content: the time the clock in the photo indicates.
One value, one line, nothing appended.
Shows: **7:46:53**
